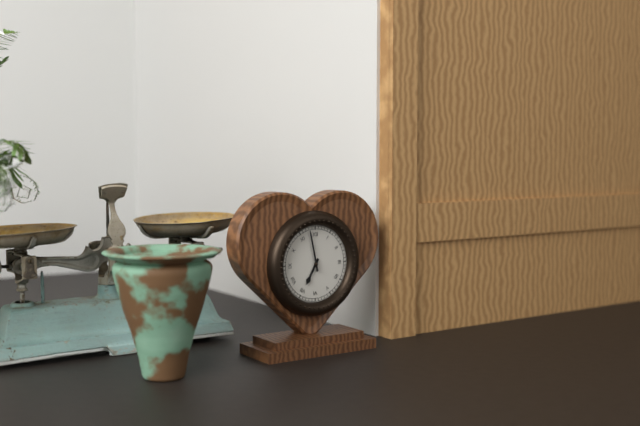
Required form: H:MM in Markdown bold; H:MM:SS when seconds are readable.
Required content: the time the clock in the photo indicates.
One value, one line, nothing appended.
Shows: **6:58**
